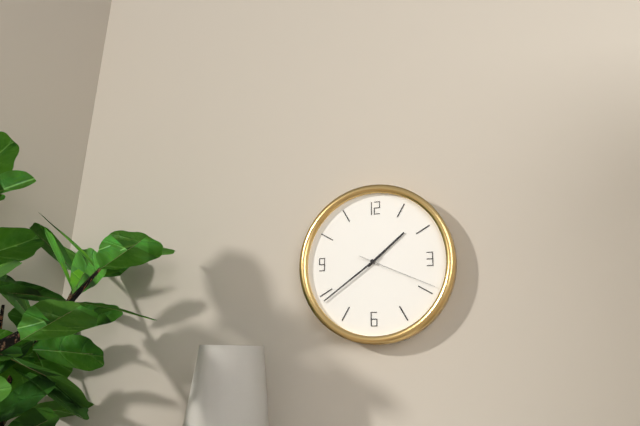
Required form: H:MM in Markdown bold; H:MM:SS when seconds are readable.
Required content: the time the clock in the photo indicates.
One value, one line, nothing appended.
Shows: **1:39:19**
